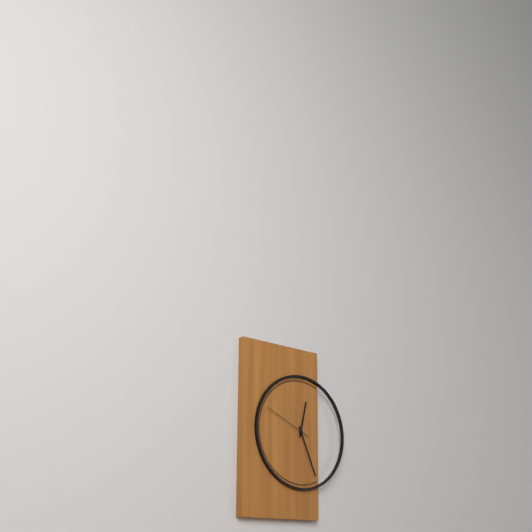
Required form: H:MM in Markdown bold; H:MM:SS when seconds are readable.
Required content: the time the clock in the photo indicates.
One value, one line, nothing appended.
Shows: **12:26:49**
